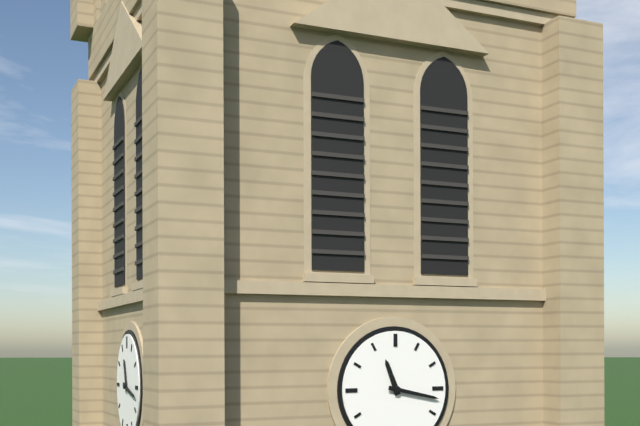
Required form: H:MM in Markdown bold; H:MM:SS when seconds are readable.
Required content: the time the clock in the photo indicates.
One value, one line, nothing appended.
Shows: **11:17**
